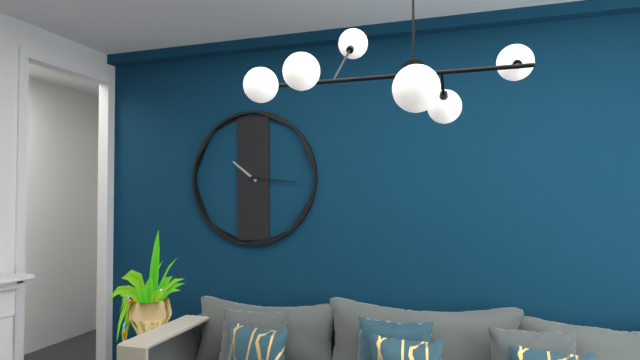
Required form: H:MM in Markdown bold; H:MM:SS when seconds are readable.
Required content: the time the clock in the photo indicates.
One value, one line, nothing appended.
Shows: **10:16**
